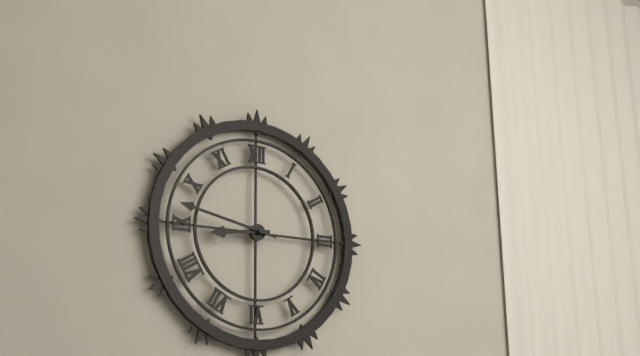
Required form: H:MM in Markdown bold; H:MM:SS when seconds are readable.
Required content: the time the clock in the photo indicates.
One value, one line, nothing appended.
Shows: **8:47**
